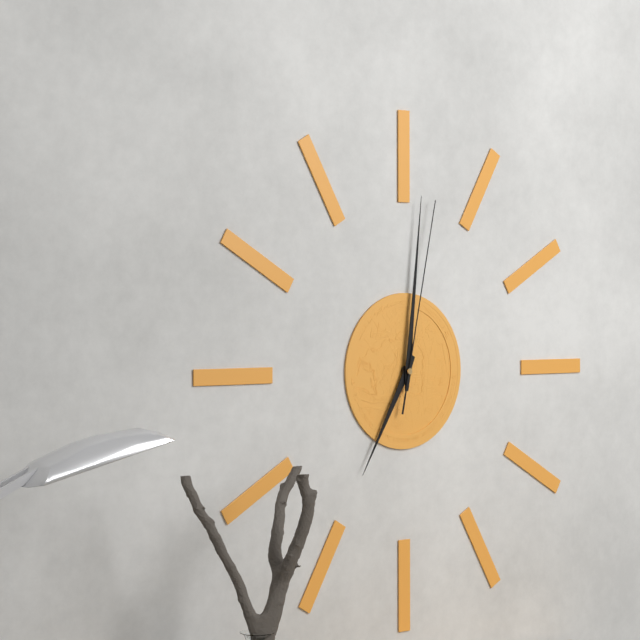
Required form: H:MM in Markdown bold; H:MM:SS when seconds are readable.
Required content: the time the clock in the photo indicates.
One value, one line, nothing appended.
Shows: **7:01:02**
